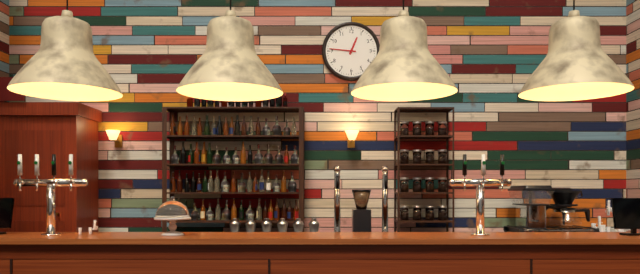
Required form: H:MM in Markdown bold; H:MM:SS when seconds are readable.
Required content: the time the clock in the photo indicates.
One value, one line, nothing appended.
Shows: **12:46**
